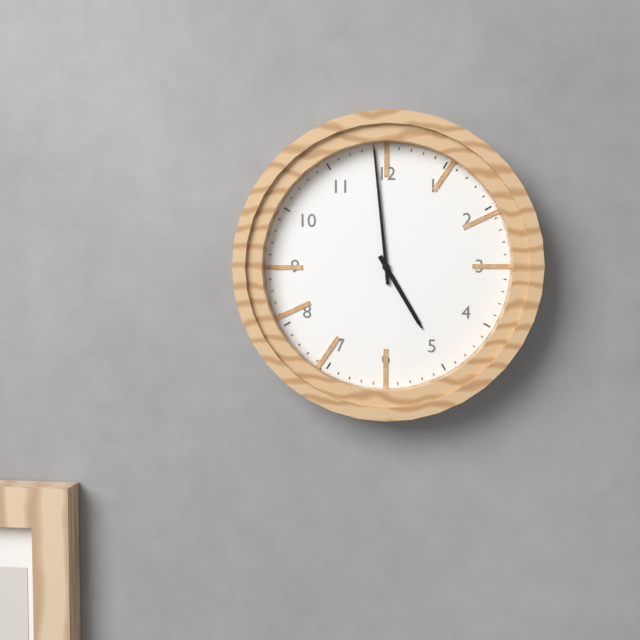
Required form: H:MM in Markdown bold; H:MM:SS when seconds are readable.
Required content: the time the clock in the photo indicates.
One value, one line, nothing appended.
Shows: **4:59**
